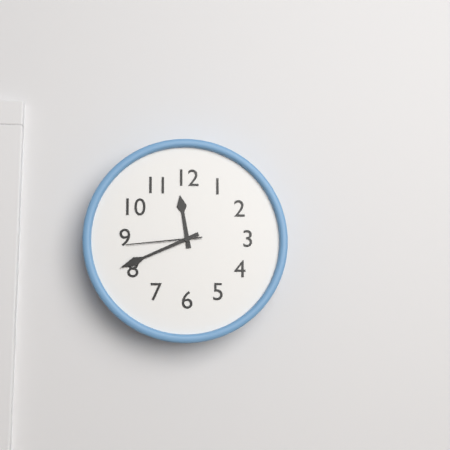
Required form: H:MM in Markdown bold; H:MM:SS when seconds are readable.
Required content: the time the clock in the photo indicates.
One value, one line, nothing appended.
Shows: **11:41:44**
